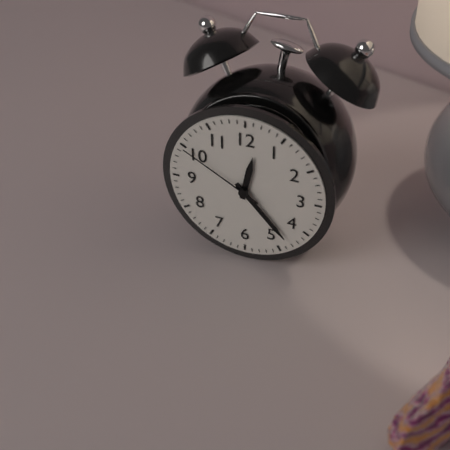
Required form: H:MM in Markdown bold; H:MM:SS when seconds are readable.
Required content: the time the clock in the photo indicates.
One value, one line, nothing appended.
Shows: **12:23:50**
